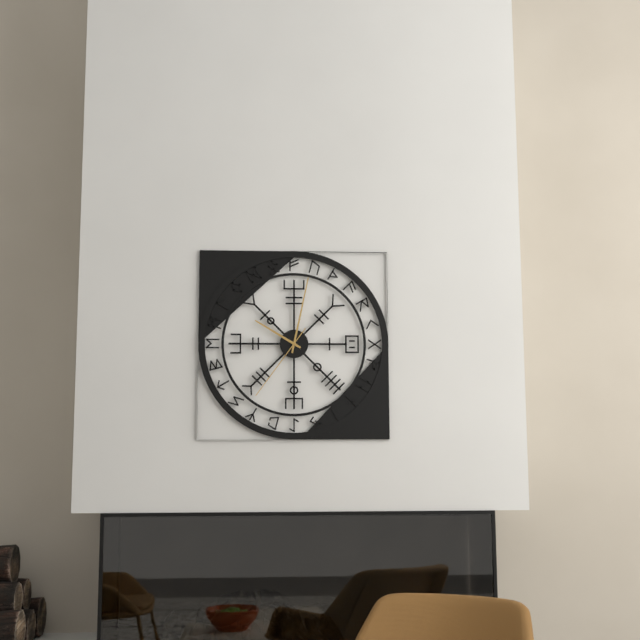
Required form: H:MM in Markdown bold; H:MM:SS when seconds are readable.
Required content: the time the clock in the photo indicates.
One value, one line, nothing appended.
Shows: **10:02:36**
